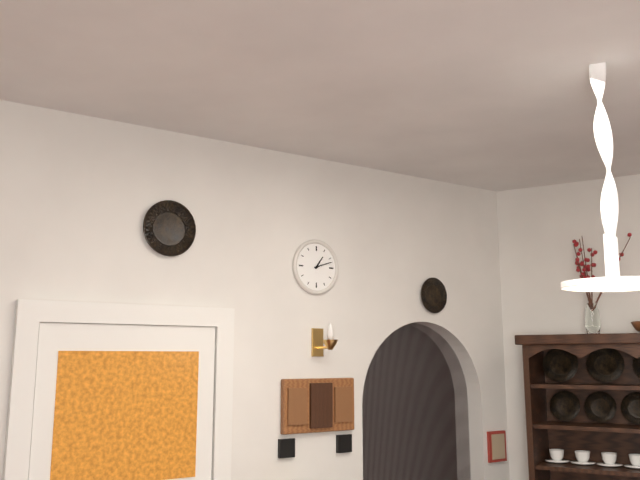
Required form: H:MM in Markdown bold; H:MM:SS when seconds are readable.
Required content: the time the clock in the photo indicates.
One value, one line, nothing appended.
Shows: **1:12**
